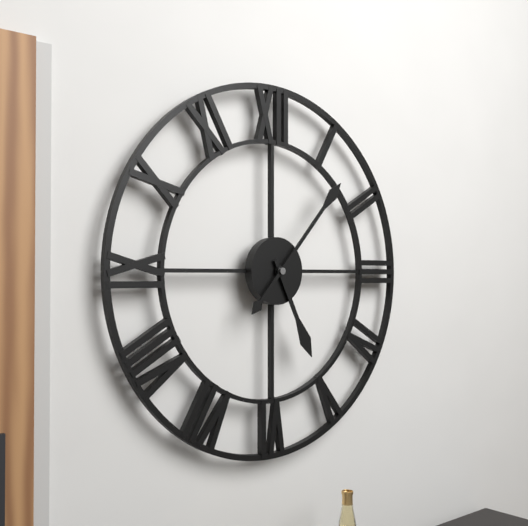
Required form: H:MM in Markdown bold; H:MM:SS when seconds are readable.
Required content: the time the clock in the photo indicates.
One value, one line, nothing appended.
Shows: **5:07**
